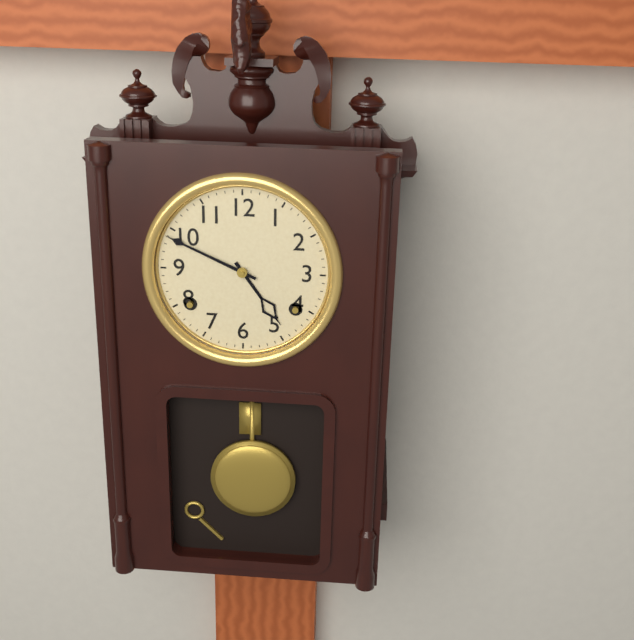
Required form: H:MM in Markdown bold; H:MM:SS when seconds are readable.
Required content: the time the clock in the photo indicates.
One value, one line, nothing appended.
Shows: **4:49**
